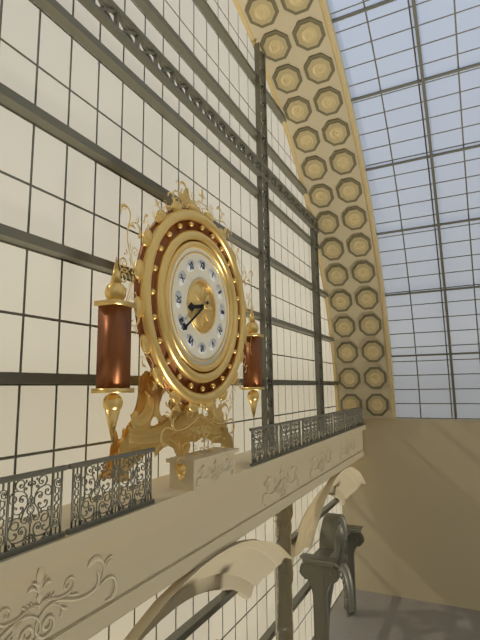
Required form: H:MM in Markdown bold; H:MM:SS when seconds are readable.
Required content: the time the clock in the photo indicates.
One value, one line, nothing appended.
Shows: **8:39**
